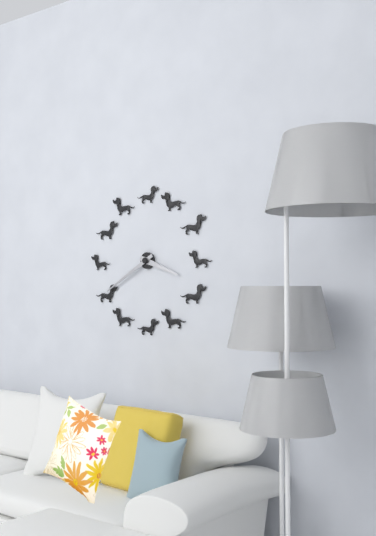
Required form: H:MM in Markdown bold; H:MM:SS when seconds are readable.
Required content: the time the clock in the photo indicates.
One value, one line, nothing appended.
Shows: **3:40**
